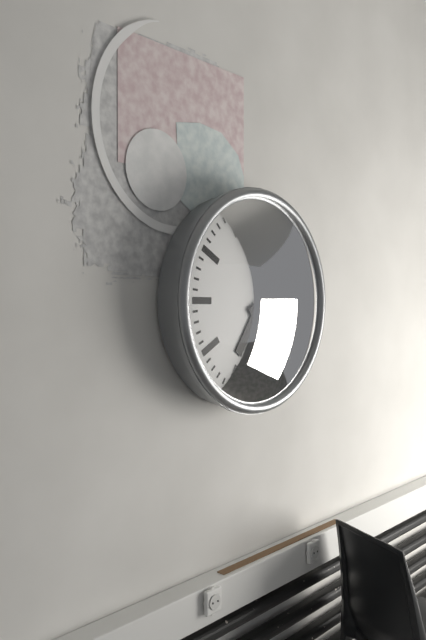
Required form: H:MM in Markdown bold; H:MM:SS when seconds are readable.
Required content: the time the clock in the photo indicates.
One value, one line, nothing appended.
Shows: **7:10**
